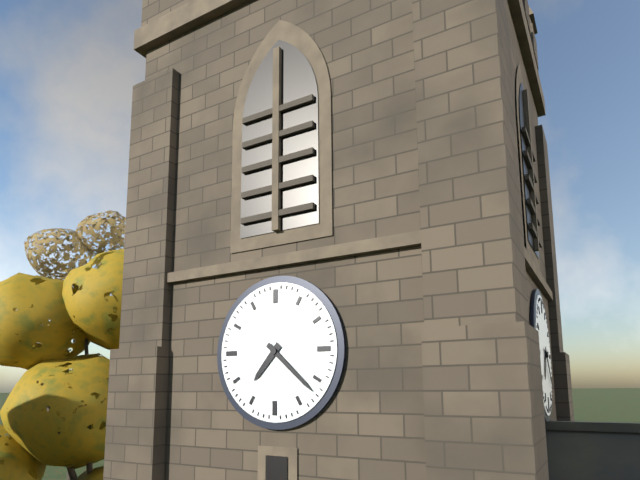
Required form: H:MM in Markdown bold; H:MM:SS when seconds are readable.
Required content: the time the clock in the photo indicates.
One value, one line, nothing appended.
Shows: **7:22**
